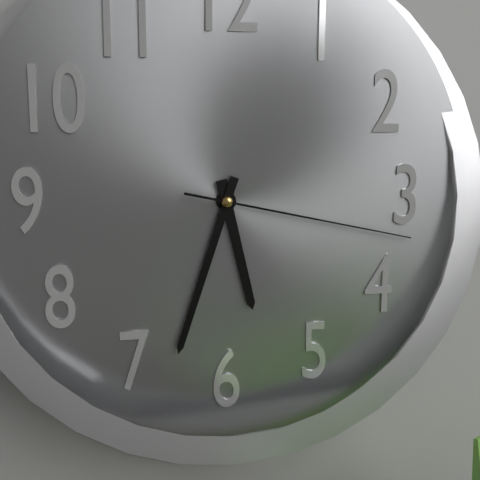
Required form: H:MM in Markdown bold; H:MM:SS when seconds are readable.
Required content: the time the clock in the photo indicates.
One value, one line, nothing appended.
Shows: **5:33:17**
